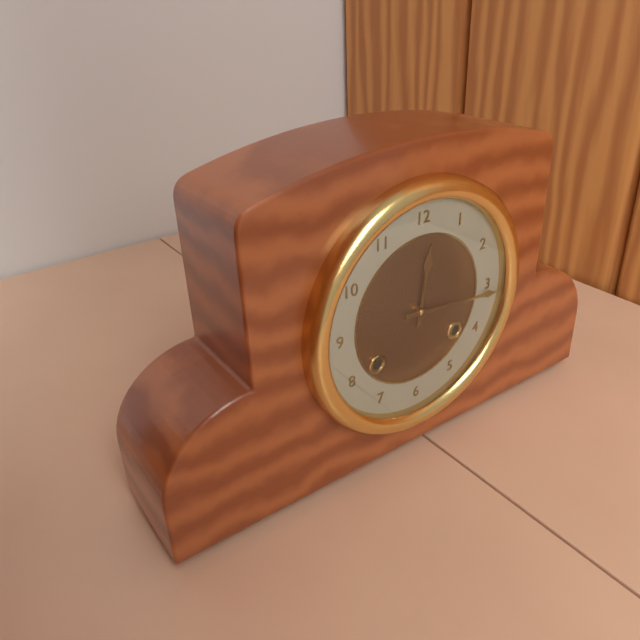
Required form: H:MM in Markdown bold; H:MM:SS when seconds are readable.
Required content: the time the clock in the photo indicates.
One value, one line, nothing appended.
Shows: **12:16**
